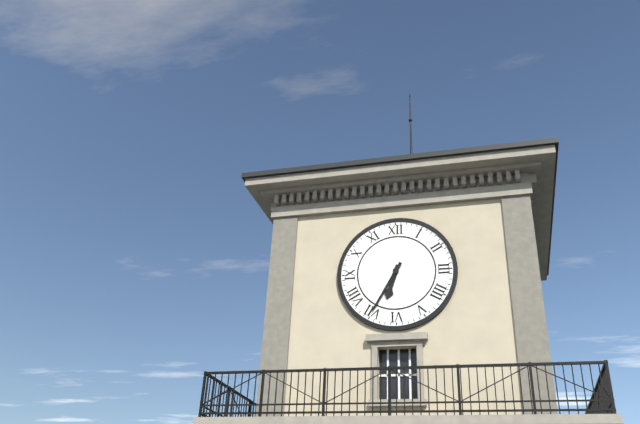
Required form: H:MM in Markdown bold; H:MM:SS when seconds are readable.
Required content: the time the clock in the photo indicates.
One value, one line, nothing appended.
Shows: **6:35**
